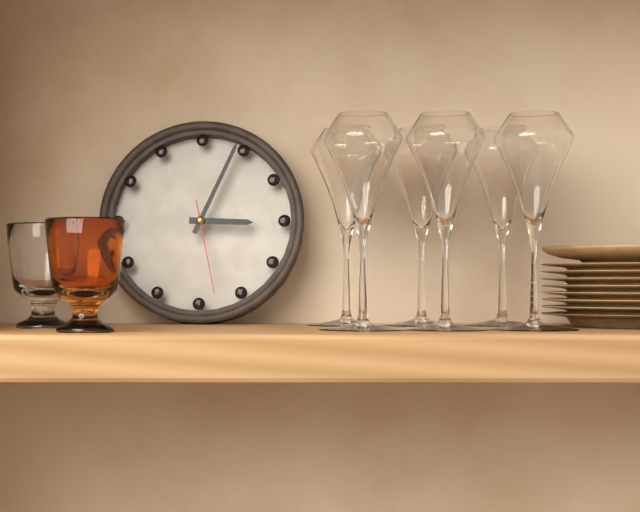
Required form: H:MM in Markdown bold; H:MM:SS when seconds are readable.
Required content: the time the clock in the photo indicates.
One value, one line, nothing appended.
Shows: **3:04:28**
